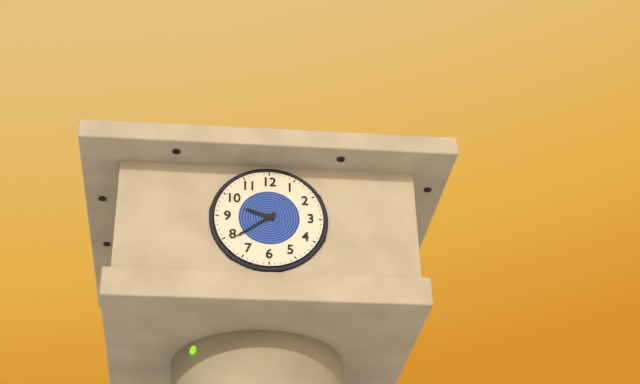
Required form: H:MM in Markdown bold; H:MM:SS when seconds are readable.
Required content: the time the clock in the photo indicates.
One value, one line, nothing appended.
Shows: **9:39**
